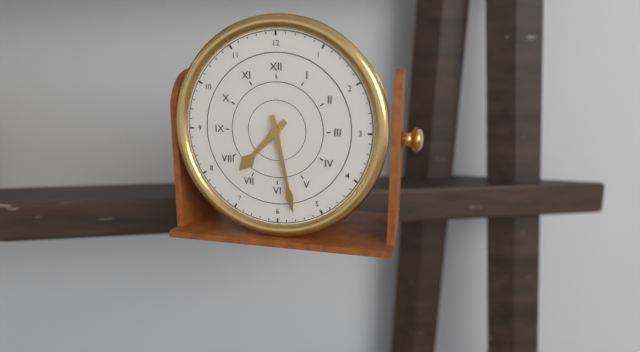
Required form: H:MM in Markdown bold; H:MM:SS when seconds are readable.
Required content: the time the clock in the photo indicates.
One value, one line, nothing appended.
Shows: **7:28**
